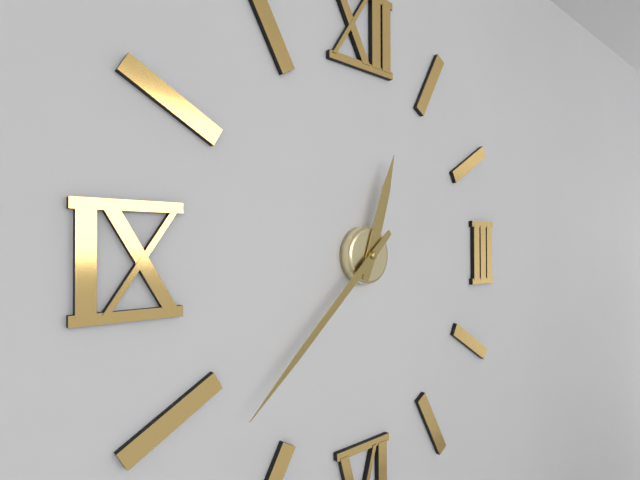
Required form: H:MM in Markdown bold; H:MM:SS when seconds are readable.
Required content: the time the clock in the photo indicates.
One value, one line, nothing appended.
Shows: **12:38**
